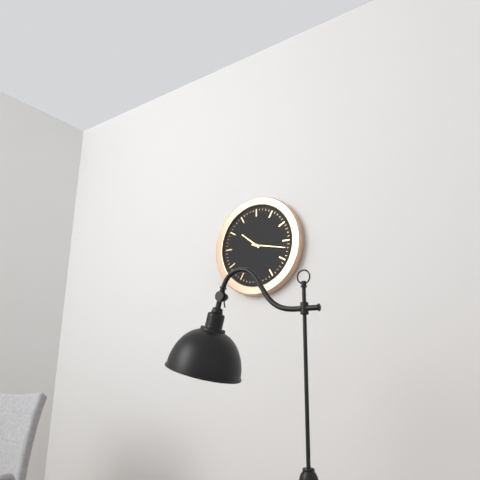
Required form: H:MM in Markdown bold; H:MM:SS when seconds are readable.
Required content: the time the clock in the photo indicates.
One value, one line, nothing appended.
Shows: **10:17**
